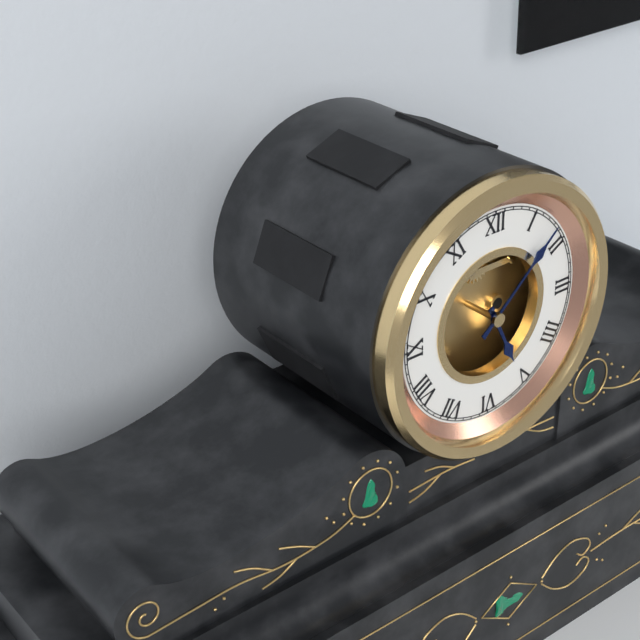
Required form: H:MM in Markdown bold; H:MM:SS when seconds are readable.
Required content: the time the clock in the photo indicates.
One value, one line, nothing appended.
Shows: **5:08**
